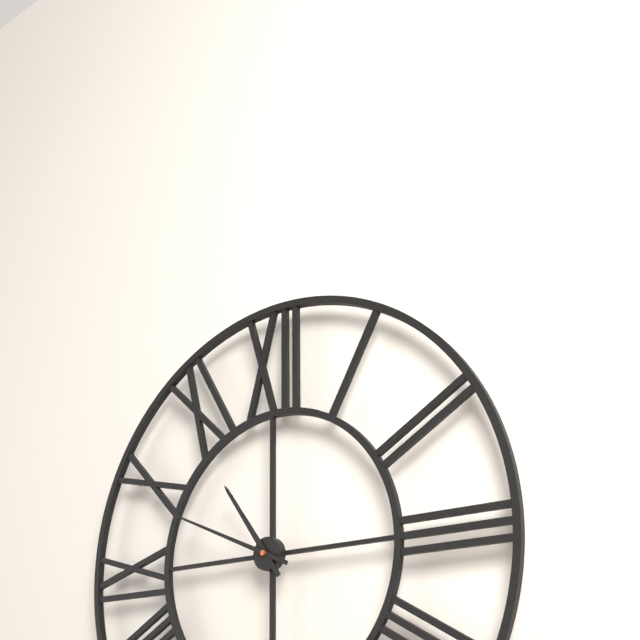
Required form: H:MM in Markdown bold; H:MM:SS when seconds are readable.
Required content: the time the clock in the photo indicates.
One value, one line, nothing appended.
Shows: **10:49**
